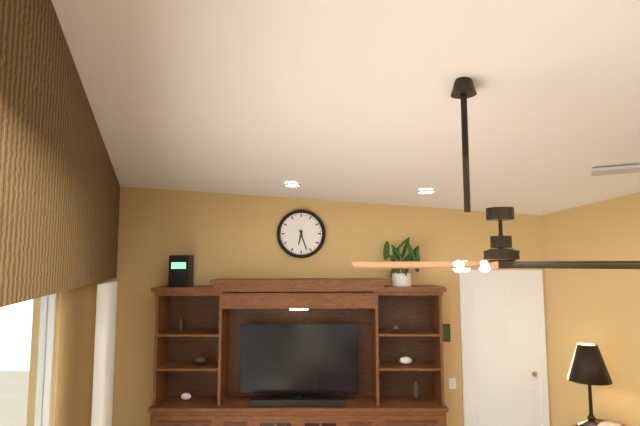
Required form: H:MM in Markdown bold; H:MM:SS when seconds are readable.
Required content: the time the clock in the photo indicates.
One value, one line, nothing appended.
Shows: **6:27**
